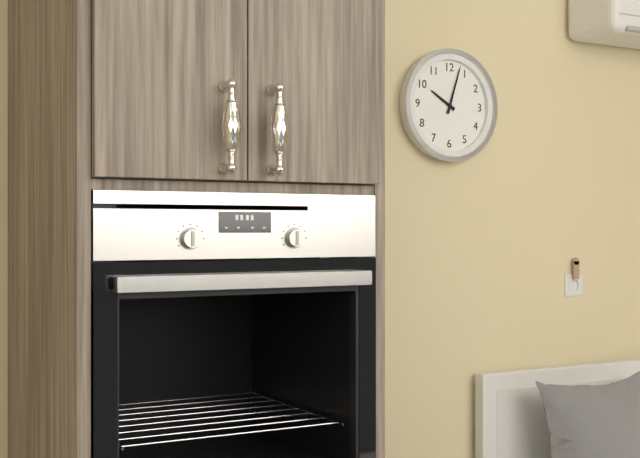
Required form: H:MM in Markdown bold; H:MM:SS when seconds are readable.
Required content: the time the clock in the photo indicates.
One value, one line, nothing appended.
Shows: **10:03**
